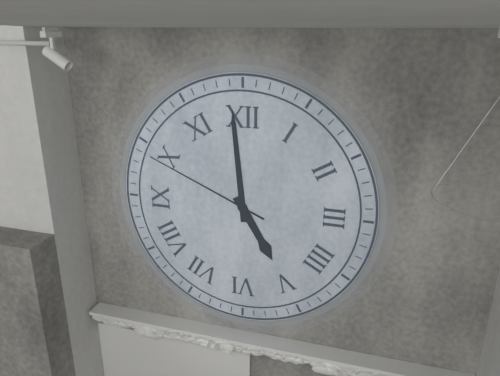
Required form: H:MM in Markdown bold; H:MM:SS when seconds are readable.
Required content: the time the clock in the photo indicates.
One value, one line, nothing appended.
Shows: **4:59:49**
